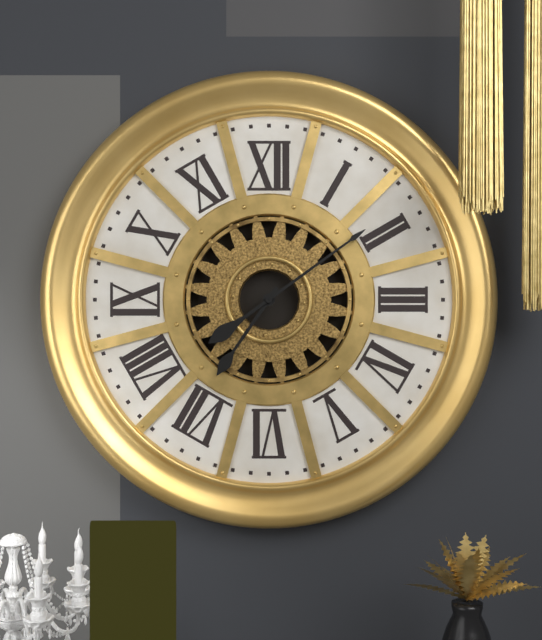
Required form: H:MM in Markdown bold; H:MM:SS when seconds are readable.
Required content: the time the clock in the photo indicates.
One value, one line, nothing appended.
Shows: **7:09**
